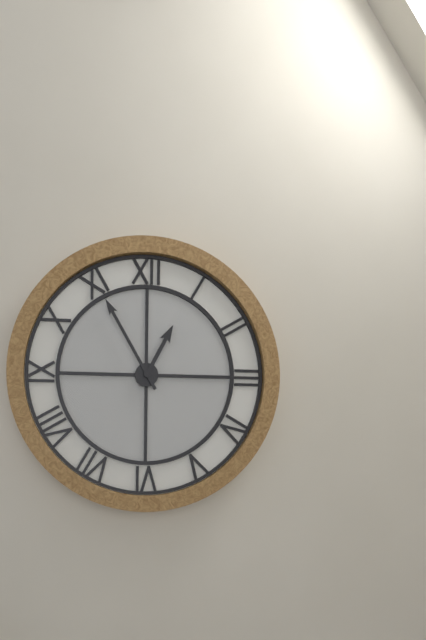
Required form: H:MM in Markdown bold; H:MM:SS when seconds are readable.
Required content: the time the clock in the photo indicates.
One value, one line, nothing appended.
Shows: **12:55**
